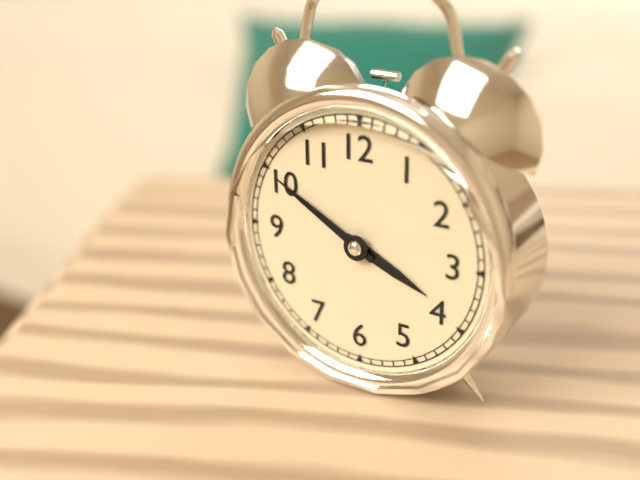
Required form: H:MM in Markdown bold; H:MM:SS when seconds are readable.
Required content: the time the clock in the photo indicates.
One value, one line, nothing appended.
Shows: **3:50**
